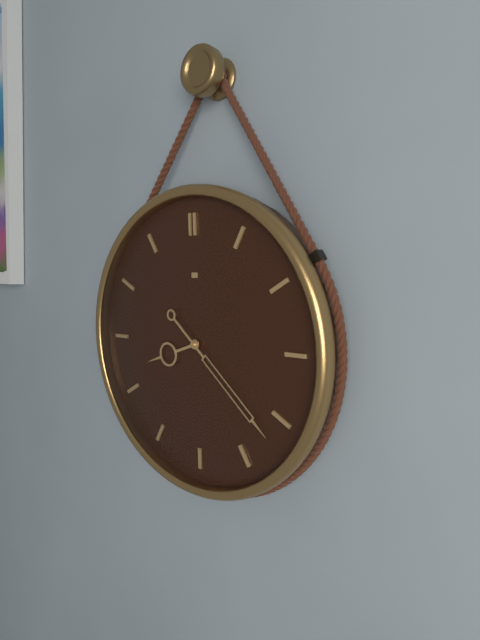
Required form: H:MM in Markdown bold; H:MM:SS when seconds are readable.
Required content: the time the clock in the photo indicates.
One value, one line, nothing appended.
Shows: **8:22**
